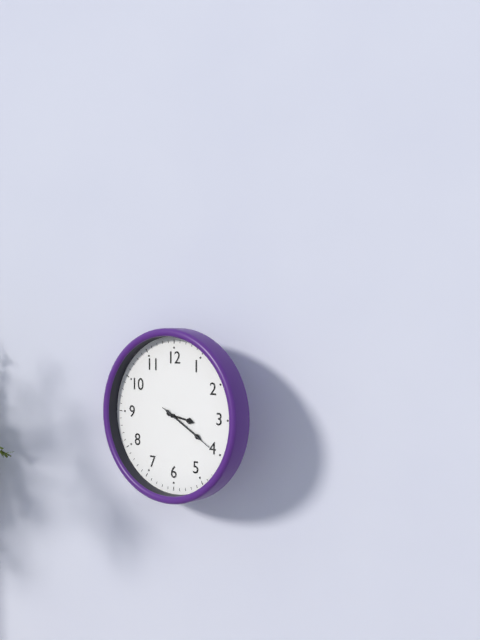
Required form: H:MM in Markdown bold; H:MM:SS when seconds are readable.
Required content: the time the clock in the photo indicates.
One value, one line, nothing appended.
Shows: **3:20:20**
